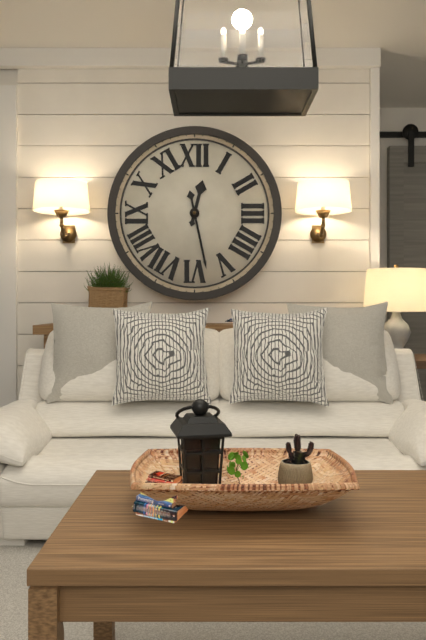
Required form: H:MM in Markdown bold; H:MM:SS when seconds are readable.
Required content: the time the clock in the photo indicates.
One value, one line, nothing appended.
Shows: **12:28**
